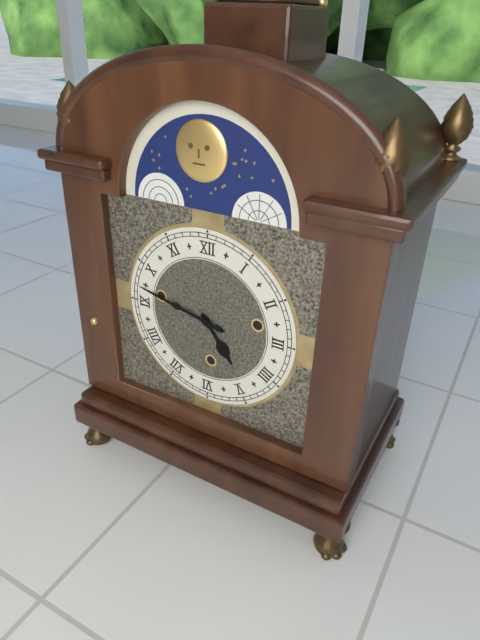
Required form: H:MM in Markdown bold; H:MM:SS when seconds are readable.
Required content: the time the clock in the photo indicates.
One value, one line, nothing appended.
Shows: **4:47**
